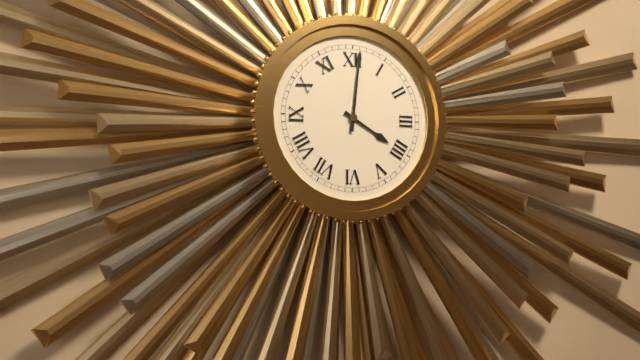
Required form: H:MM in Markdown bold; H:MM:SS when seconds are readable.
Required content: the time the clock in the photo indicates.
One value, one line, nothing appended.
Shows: **4:01**
